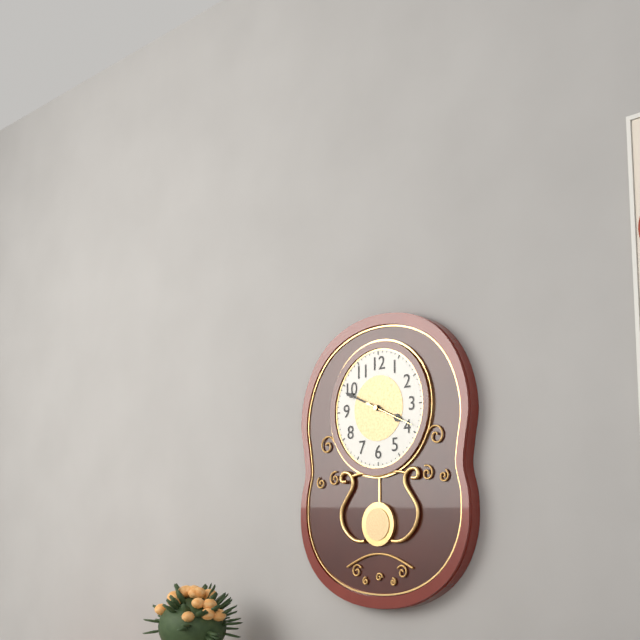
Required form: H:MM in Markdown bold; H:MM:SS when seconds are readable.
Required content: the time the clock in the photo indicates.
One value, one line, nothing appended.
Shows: **3:49**
